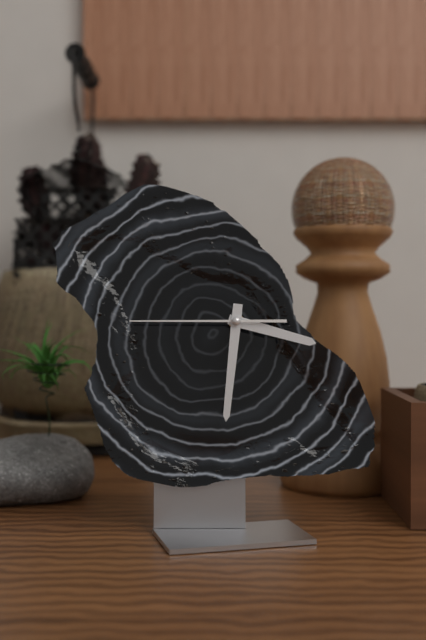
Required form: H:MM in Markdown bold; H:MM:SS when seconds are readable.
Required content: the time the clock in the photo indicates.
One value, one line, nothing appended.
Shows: **3:31:45**
